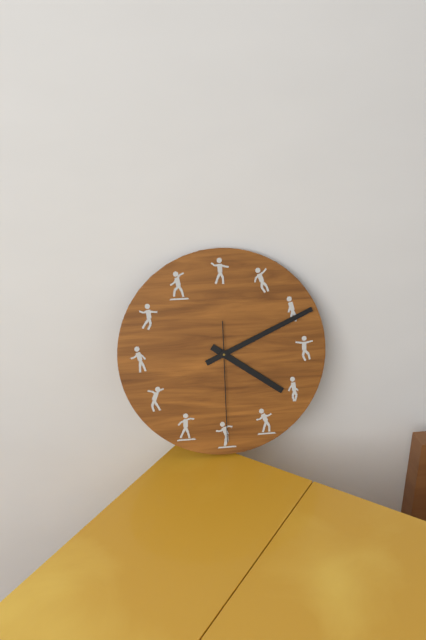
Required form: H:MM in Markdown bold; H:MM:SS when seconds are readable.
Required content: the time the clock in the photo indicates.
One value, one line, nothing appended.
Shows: **4:11:30**
